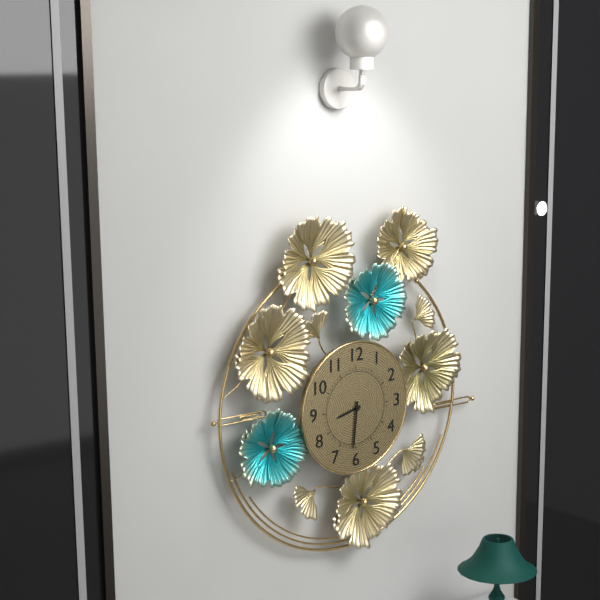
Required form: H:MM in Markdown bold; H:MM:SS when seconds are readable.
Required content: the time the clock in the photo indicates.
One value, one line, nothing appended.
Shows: **8:31**
